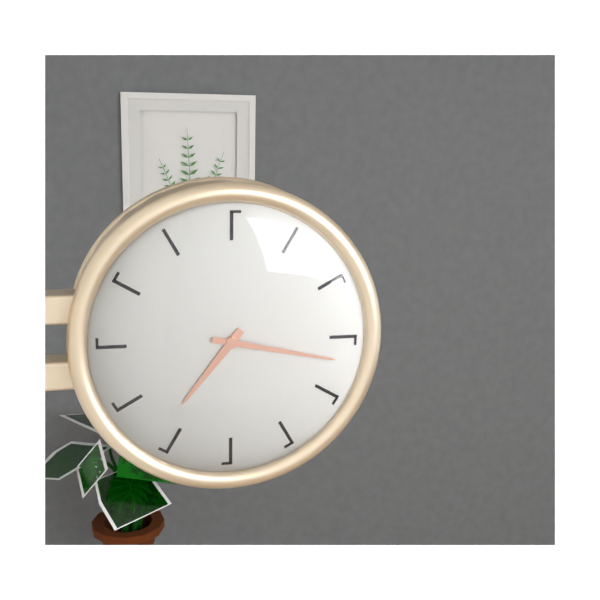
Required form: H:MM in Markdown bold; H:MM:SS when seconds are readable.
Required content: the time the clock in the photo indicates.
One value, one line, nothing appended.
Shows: **7:17**
